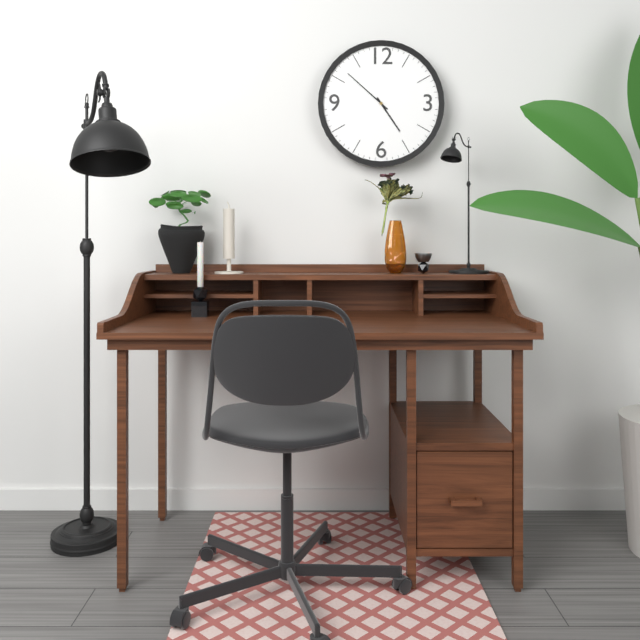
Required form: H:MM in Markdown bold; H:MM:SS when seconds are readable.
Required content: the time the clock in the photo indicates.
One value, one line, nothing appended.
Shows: **4:52**
